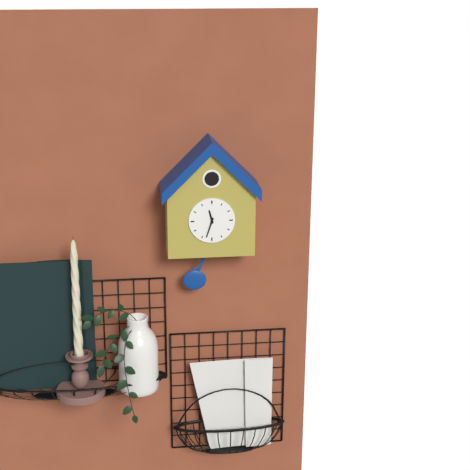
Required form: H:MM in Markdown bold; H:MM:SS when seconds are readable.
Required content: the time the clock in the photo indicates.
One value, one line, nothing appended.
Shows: **11:33**
